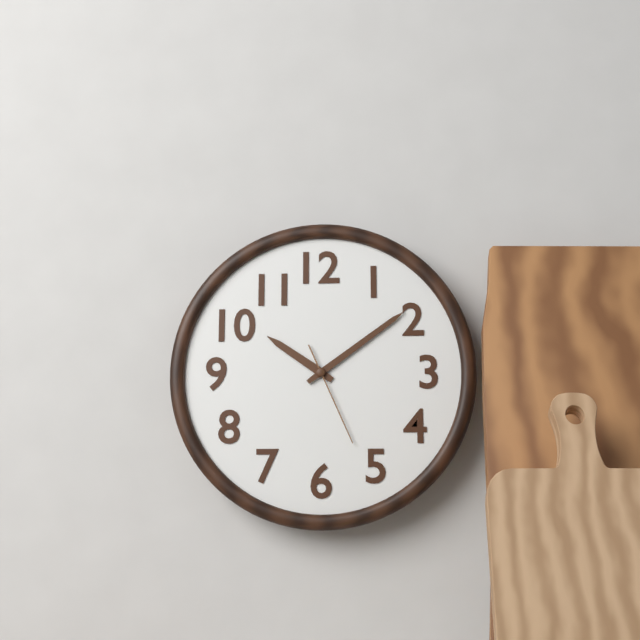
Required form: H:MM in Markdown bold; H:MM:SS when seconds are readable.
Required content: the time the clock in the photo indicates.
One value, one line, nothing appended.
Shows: **10:09:26**
